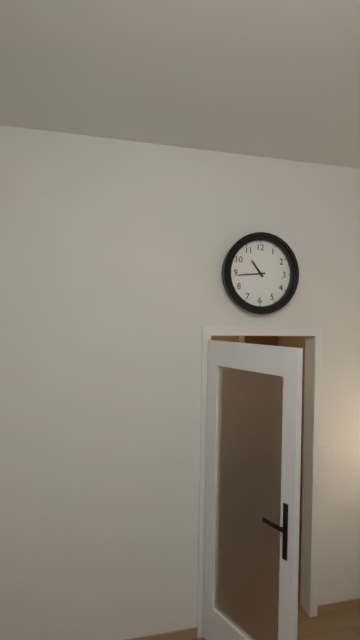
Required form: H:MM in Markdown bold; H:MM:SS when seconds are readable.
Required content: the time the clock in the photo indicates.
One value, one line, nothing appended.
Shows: **10:44**
